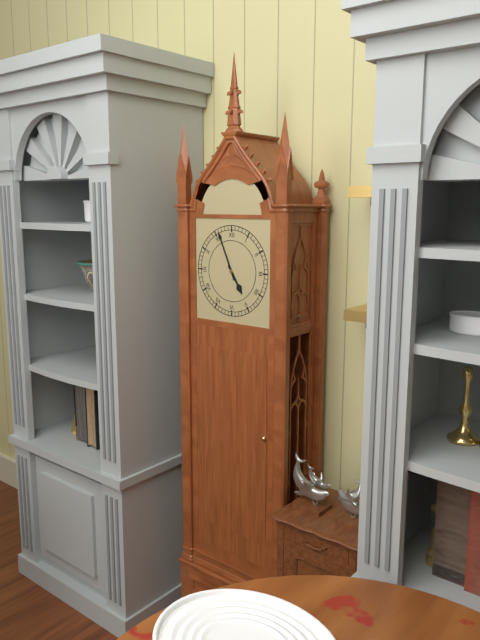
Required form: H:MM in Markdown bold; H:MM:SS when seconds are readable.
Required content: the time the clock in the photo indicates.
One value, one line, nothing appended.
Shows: **4:56**
